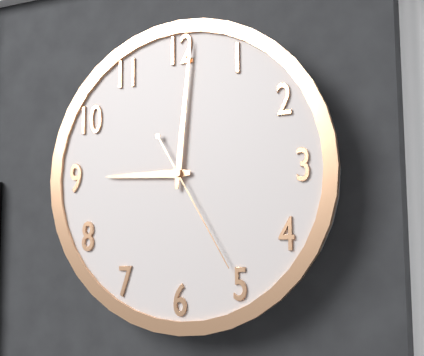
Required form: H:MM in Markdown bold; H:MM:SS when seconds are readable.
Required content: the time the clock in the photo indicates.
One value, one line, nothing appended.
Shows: **9:01:25**
